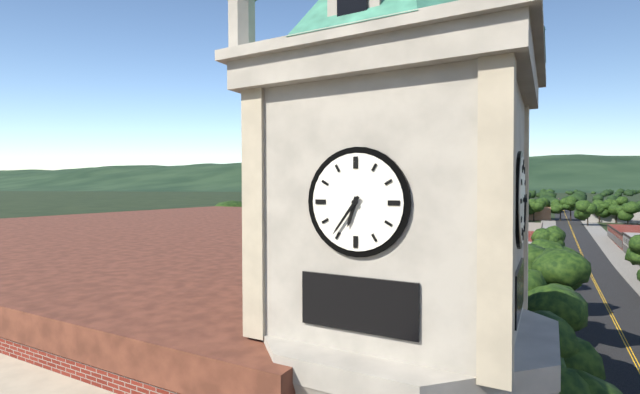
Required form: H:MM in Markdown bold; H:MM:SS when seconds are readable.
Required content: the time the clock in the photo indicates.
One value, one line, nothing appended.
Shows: **6:36**
